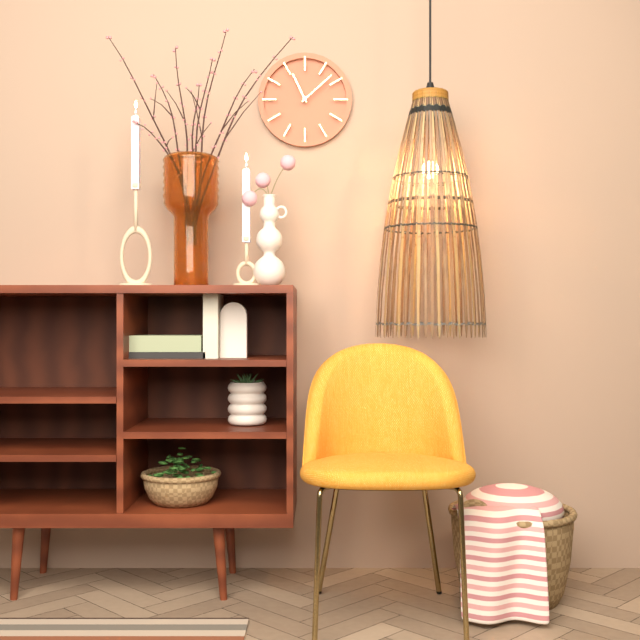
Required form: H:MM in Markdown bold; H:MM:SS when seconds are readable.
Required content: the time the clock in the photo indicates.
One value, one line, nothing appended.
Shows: **11:08**
